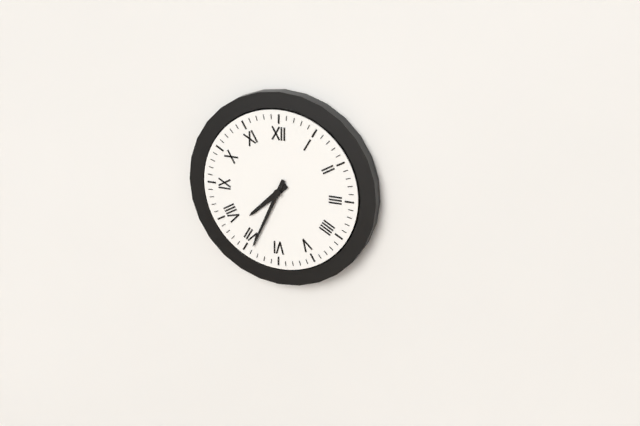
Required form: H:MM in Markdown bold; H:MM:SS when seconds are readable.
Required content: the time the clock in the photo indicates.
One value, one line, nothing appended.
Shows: **7:34**
